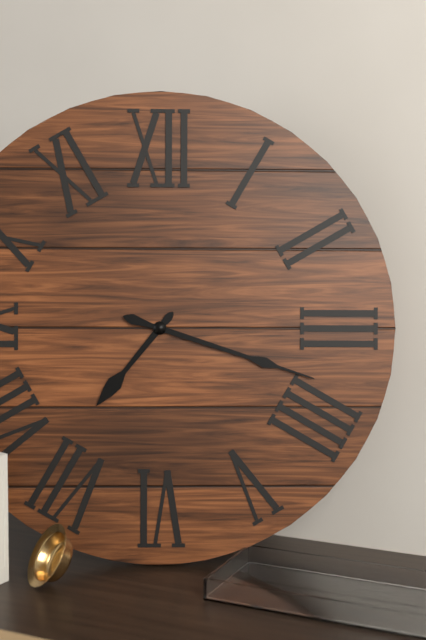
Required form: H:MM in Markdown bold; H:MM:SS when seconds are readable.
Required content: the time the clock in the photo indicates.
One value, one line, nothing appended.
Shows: **7:18**
